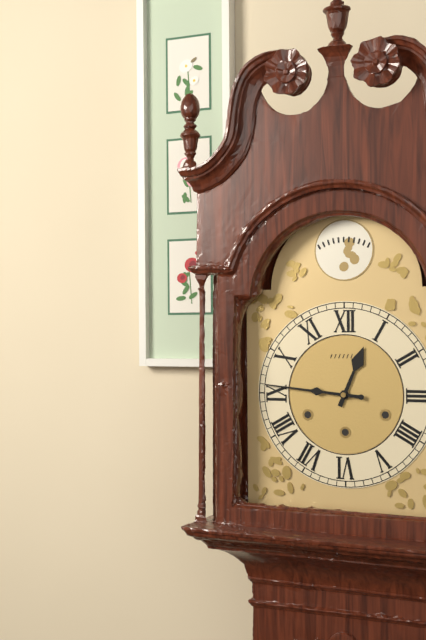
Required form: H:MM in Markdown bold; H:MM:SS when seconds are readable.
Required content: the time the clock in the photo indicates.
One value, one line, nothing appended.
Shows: **12:46**
